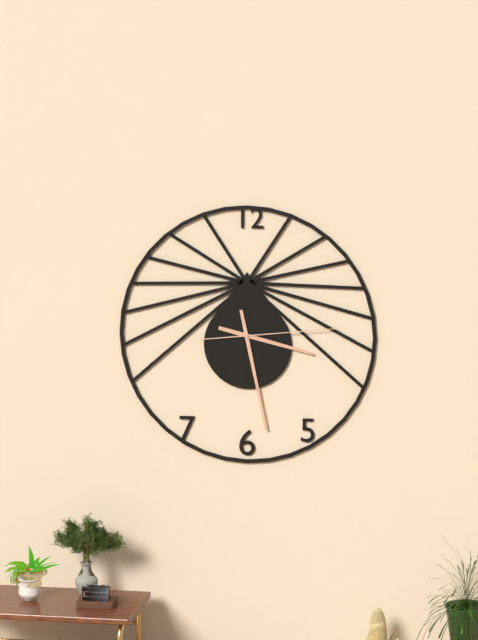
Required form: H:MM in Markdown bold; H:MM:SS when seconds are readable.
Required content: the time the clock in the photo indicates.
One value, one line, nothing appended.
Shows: **3:28:14**
